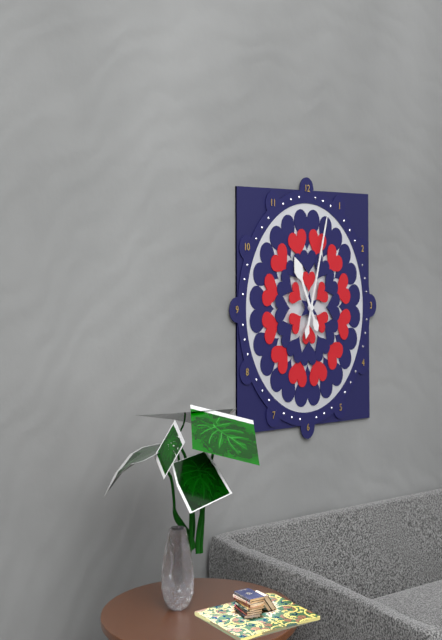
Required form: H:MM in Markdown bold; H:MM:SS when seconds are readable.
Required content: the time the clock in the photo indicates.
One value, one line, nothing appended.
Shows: **11:03**
